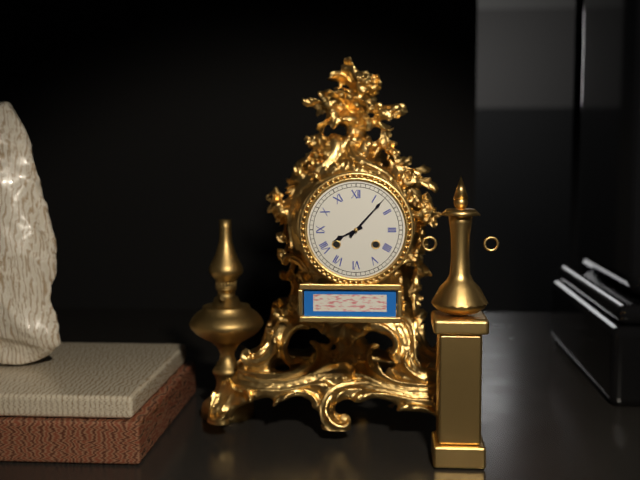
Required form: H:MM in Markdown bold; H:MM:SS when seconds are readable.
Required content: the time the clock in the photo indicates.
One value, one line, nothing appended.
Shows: **8:07**
